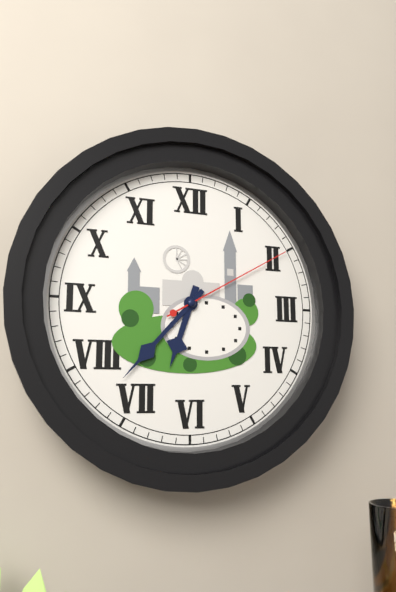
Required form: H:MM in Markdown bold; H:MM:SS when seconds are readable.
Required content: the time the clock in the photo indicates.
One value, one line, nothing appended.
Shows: **6:37:10**
